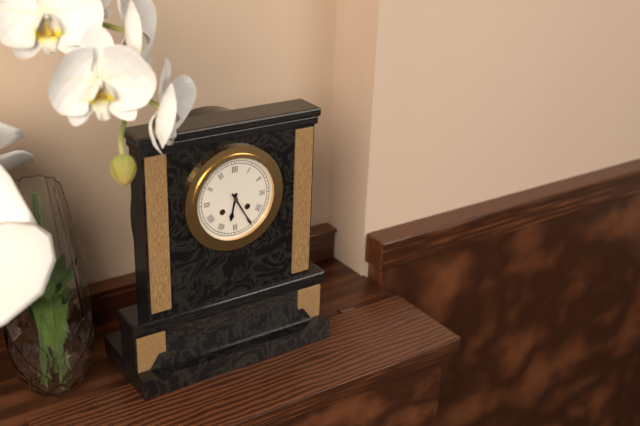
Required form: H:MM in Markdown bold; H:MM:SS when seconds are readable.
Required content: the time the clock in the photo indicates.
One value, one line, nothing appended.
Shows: **6:25**
